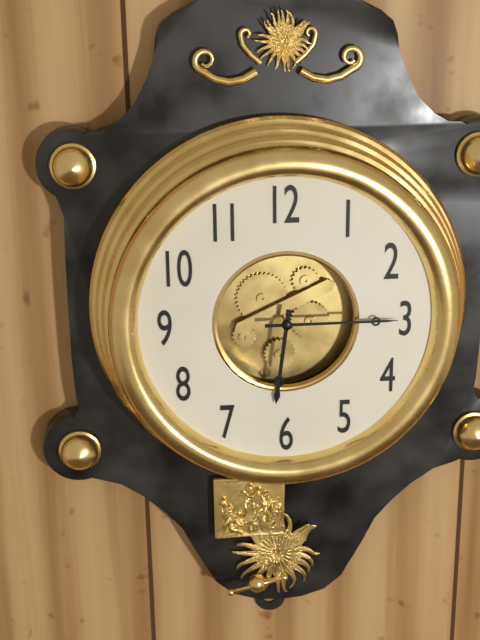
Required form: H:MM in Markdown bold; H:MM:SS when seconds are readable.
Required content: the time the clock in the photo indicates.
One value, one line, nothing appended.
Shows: **6:15**
